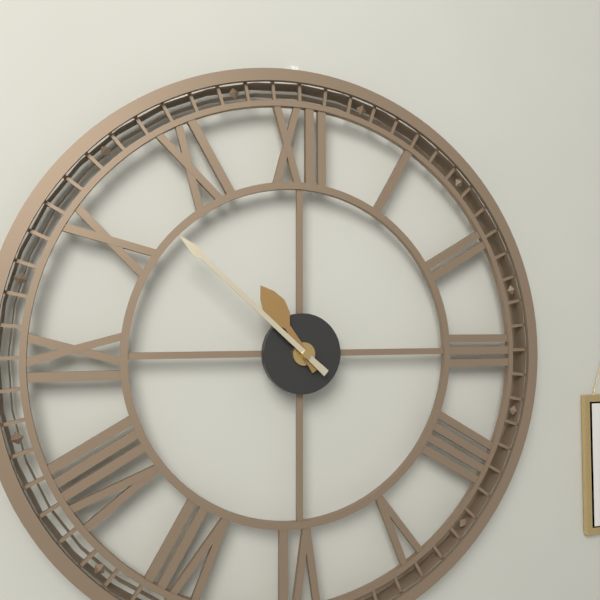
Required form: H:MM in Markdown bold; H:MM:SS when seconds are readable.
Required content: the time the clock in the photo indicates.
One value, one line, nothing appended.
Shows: **10:52**
